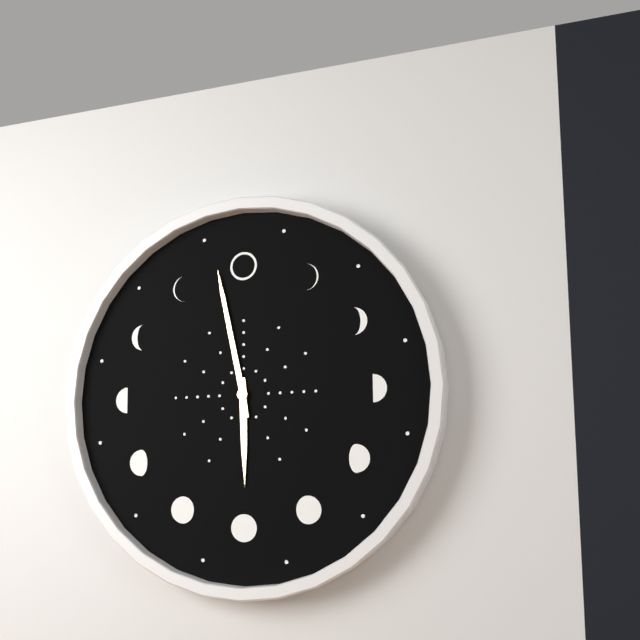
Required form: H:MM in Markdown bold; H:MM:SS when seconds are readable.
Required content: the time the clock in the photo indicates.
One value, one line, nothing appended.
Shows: **5:58**
